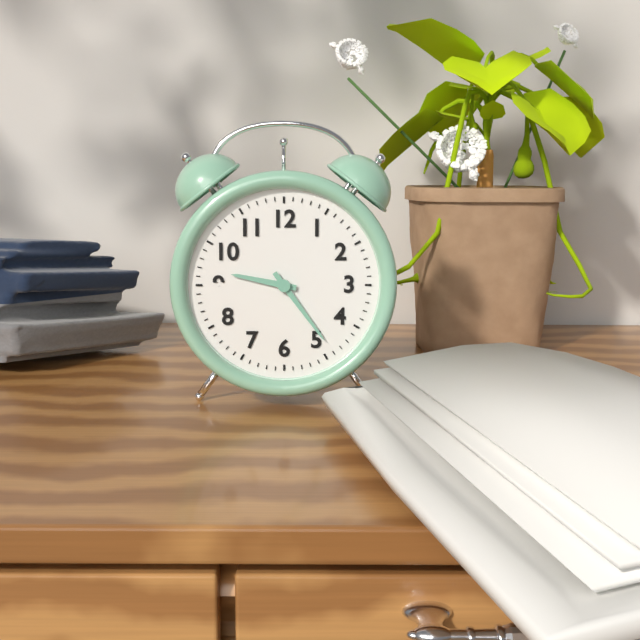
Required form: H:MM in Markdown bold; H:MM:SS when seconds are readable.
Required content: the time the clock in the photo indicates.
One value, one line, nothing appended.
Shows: **9:24**
